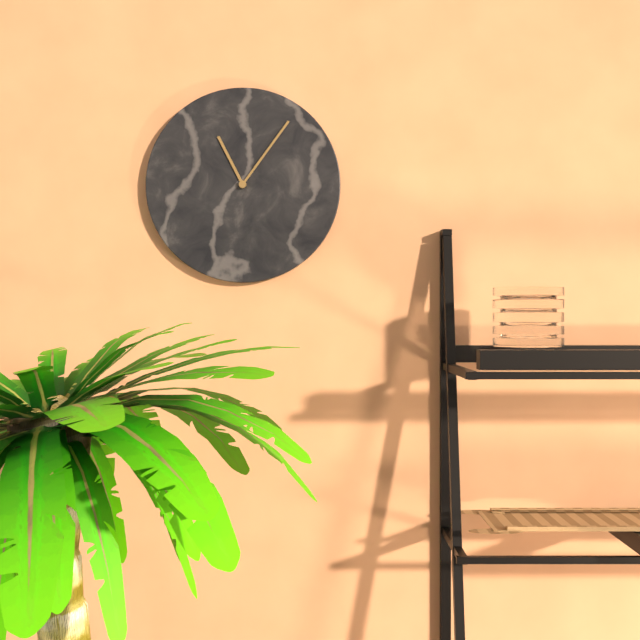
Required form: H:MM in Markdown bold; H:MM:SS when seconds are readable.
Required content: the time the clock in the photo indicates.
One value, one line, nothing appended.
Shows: **11:06**
